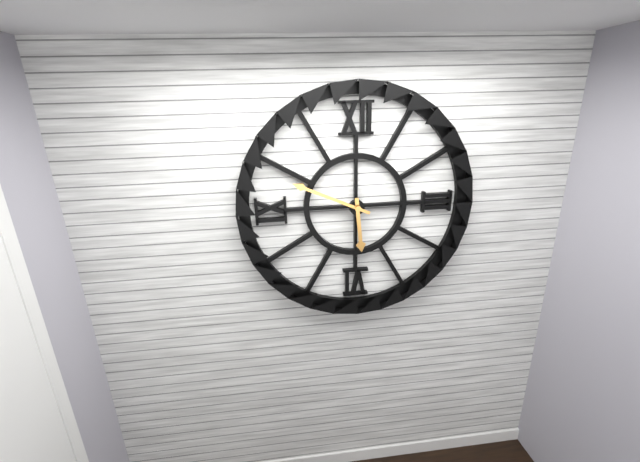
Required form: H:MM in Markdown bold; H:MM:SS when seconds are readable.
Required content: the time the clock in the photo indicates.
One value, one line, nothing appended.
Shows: **5:49**
